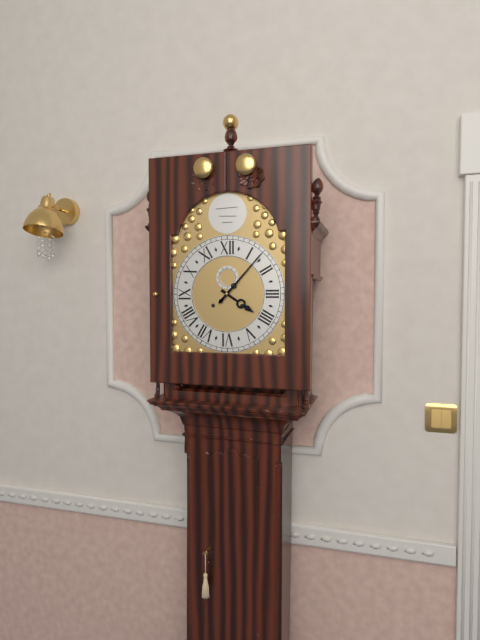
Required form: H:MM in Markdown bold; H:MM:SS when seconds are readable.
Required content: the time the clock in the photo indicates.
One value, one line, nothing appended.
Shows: **4:07**
